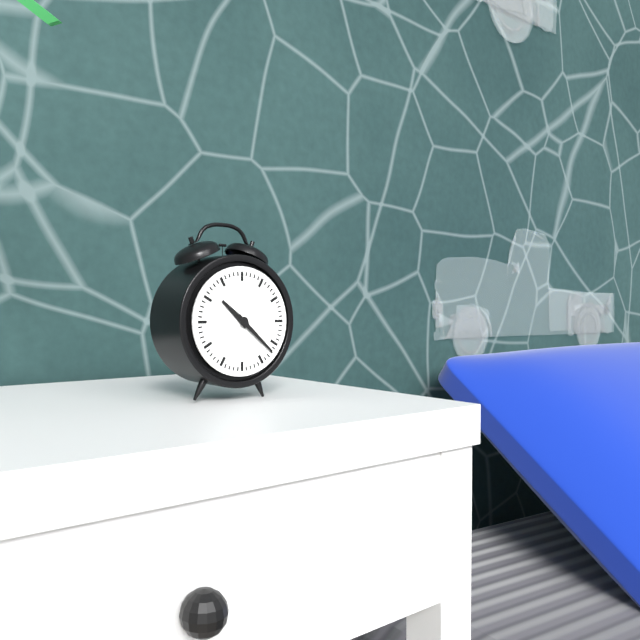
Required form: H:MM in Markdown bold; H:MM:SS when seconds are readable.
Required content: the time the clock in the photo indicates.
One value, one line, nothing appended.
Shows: **10:22**
